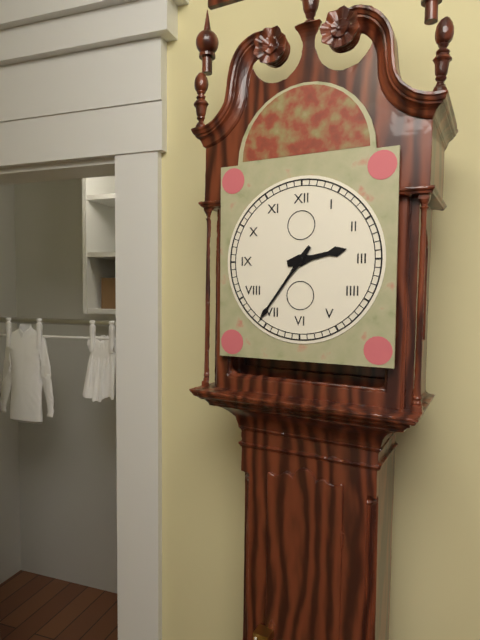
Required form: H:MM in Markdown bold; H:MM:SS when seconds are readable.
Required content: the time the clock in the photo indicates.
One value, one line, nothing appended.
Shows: **2:36**
